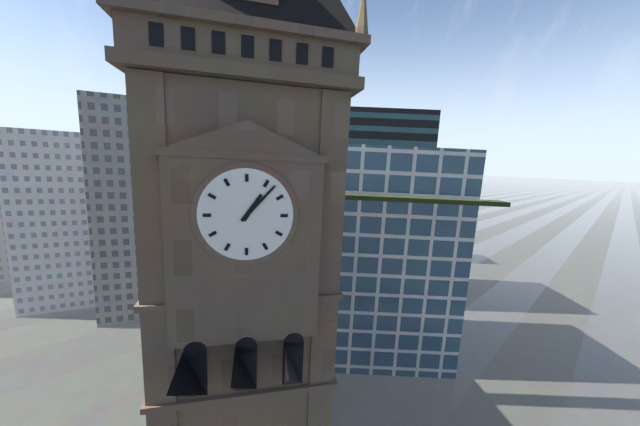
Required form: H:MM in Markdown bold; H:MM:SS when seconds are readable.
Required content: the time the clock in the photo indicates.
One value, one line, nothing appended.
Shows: **1:07**
